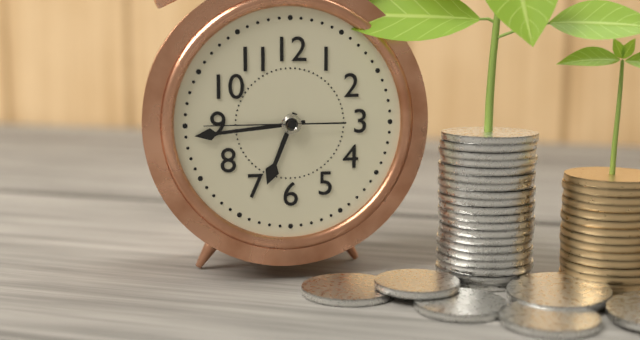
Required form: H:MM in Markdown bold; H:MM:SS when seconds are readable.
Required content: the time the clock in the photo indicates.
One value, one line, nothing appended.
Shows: **6:44:45**
